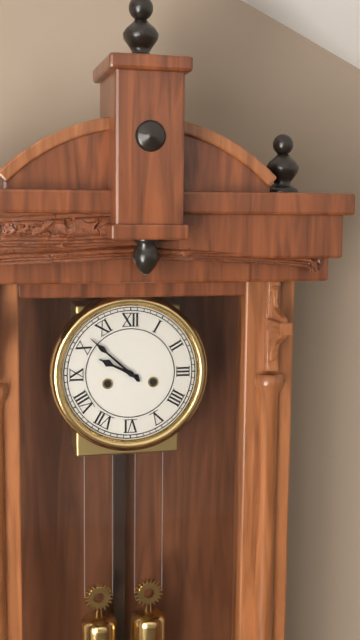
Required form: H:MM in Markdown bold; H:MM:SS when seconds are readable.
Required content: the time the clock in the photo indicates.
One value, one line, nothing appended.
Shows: **9:52**
